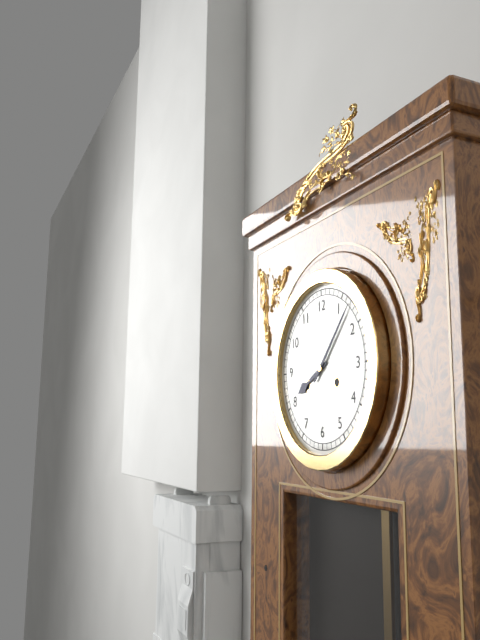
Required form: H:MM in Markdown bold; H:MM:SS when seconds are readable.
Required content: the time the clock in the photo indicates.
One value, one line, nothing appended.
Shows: **8:07**
